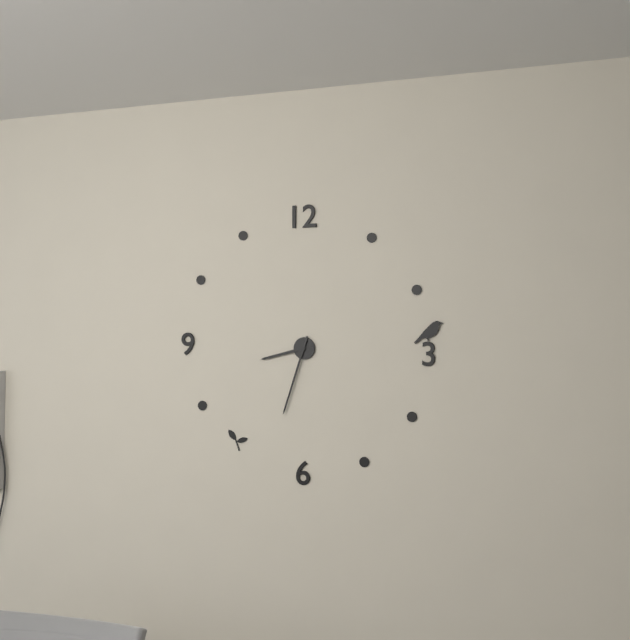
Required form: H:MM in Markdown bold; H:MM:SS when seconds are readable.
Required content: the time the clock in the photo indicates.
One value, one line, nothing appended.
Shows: **8:33**
